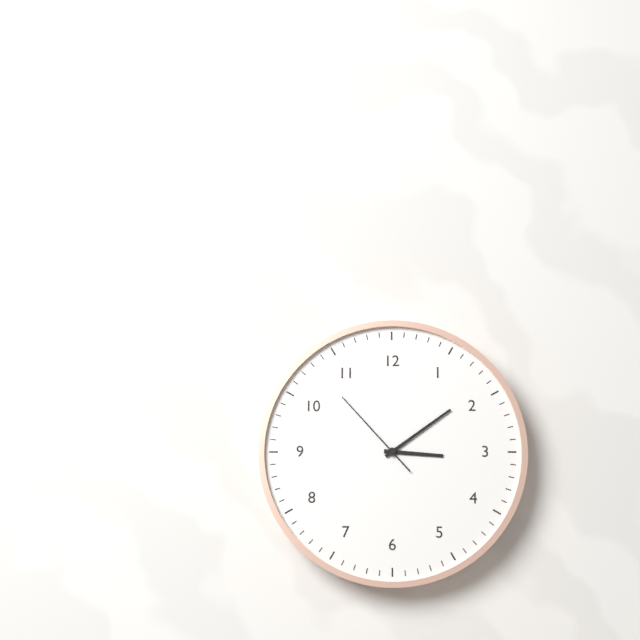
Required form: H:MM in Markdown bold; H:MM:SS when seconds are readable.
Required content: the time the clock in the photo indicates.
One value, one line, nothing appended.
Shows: **3:09:53**
